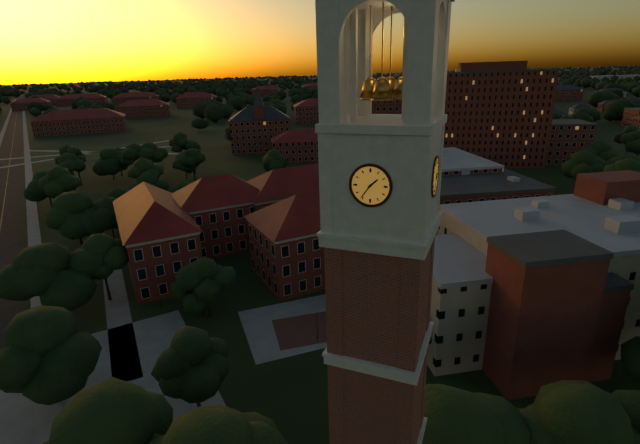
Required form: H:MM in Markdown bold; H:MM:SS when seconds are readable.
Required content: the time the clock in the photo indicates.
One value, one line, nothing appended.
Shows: **1:36**
